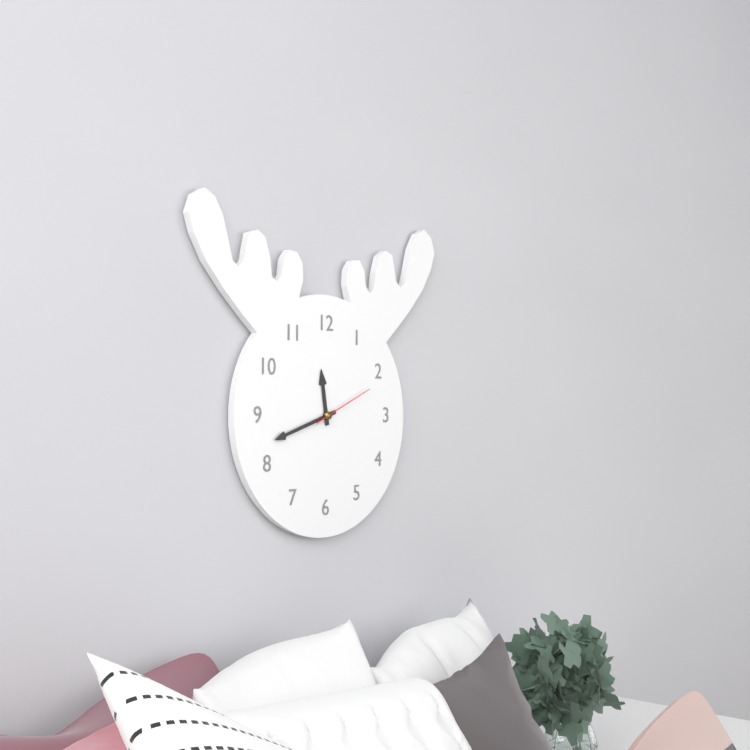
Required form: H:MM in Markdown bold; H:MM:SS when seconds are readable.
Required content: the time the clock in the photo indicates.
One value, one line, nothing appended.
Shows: **11:42:11**
